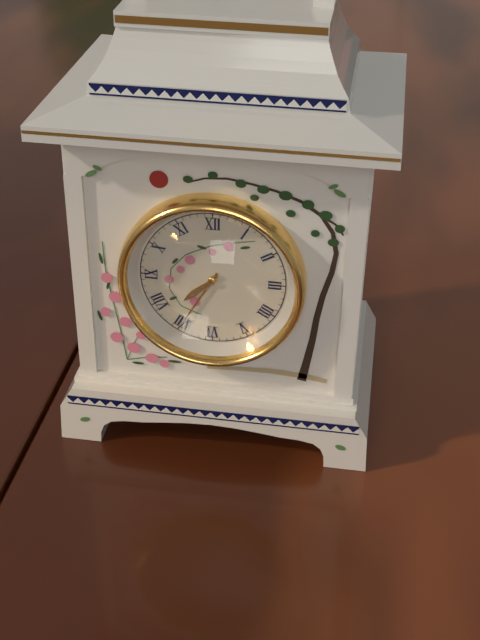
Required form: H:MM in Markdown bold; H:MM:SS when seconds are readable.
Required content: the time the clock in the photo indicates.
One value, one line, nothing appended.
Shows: **7:35**
